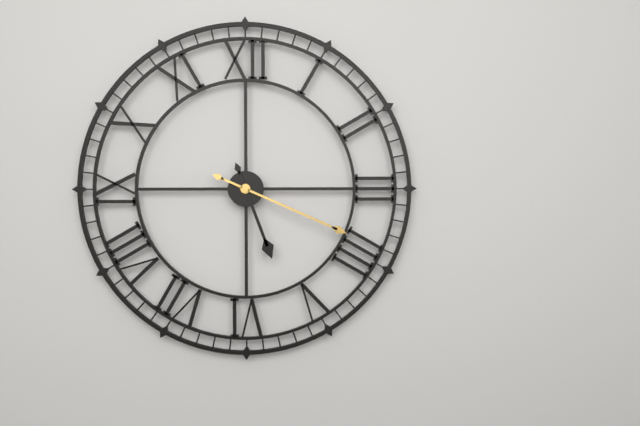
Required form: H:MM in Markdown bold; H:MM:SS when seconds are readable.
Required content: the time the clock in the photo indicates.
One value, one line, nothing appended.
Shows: **5:19**
